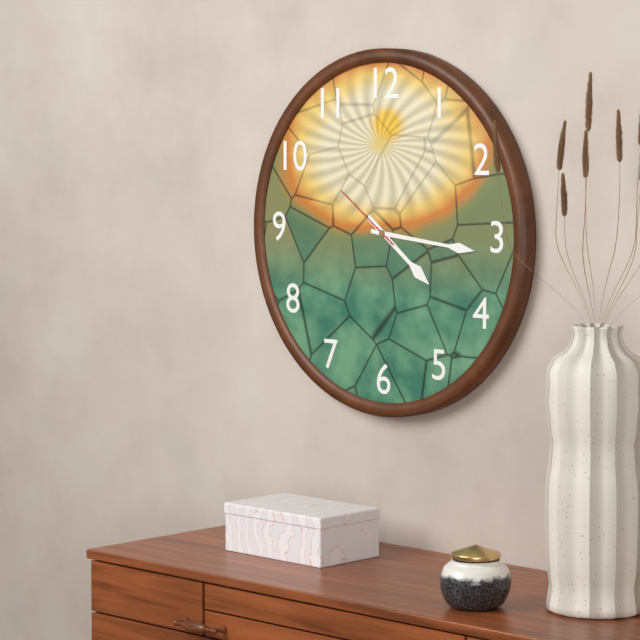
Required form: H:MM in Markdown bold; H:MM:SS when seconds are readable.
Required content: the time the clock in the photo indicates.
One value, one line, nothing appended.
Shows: **4:16:51**
